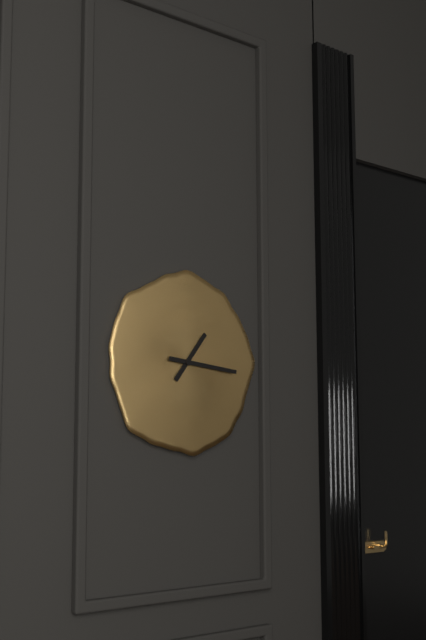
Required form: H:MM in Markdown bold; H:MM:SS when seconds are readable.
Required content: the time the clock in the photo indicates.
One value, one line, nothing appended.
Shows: **1:16**
